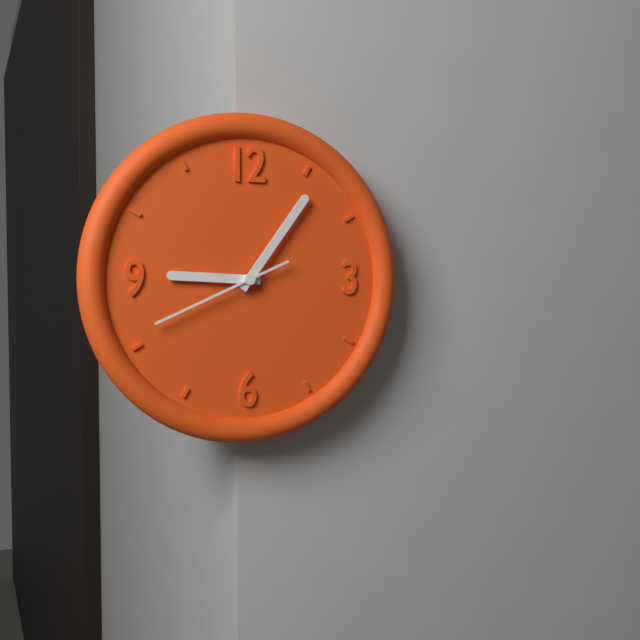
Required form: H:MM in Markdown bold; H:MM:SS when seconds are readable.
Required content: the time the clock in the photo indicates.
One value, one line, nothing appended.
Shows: **9:06:41**
